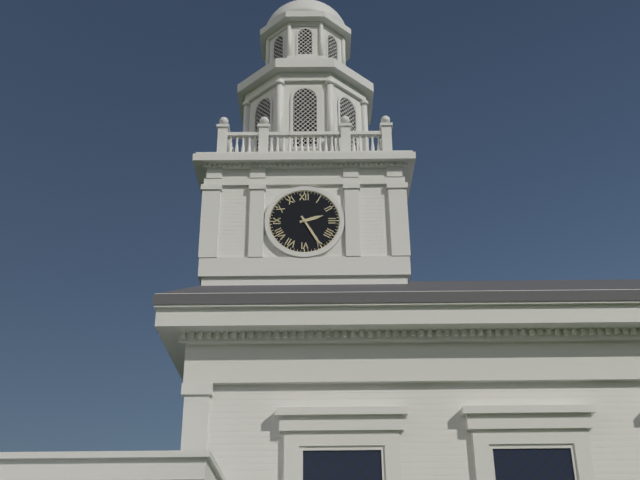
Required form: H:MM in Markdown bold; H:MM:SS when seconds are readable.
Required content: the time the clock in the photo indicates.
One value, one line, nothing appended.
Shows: **2:25**
